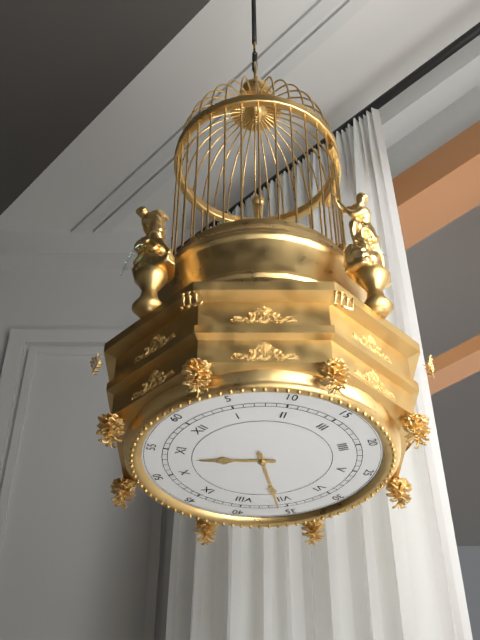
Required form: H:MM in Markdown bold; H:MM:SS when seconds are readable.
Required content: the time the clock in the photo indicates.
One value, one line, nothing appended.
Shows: **10:36**
